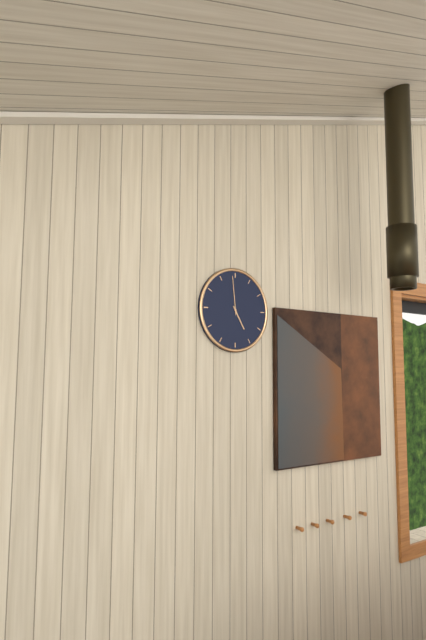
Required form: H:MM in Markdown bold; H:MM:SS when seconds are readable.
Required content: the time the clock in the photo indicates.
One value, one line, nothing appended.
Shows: **4:59**
